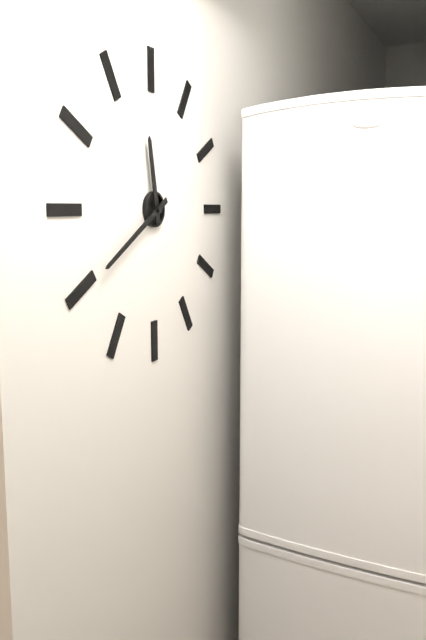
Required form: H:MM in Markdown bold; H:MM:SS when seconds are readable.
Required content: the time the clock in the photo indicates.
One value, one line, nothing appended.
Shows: **11:40**
